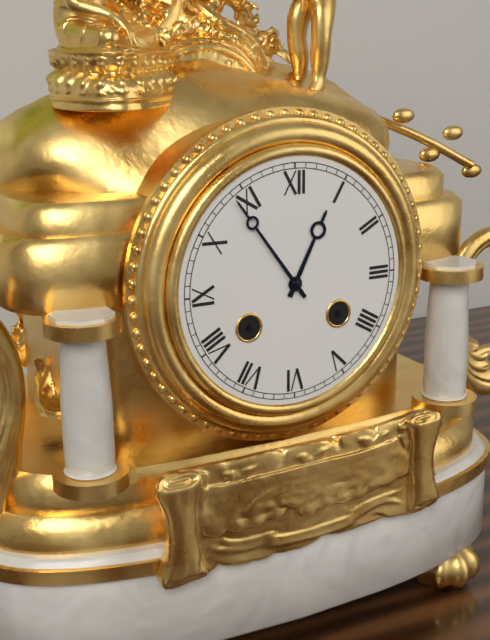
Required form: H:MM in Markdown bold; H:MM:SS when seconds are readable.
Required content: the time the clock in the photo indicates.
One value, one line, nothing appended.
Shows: **12:54**
